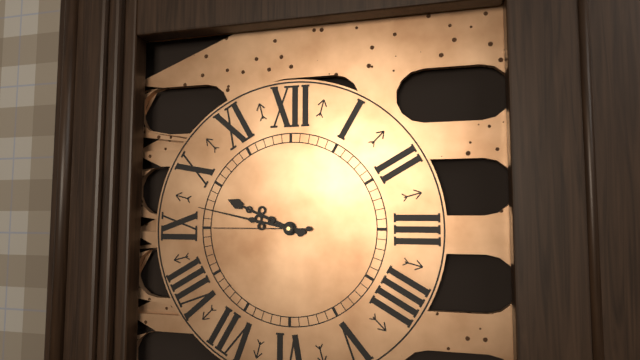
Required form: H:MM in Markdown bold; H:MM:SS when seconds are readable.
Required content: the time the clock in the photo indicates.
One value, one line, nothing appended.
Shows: **9:47:45**
